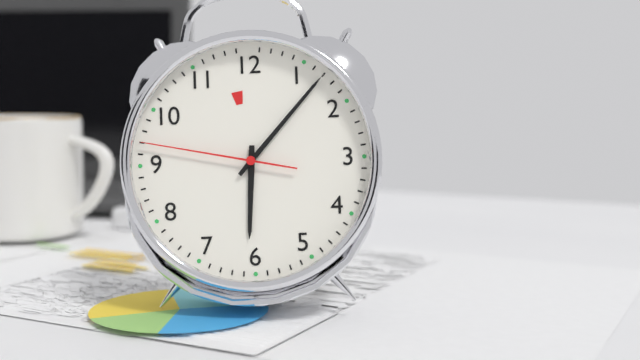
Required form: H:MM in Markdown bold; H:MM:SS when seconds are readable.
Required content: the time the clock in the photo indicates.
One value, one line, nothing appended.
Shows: **6:07:47**
